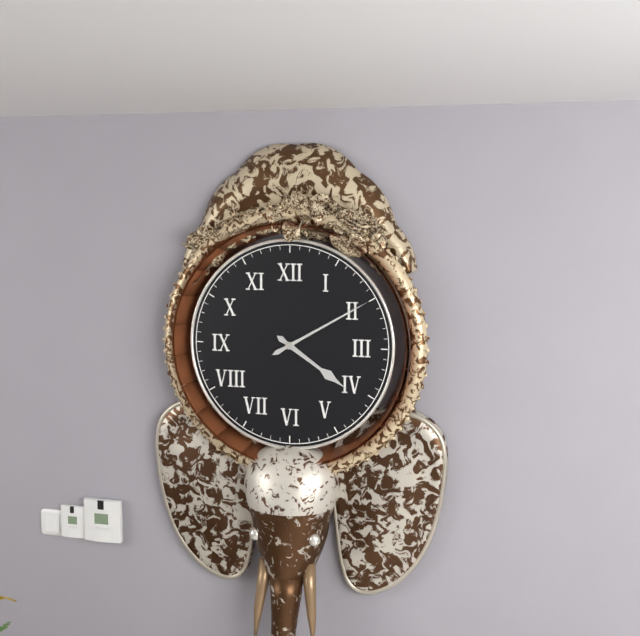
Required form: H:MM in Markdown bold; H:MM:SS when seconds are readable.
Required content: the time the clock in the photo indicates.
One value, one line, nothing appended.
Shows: **4:10**
